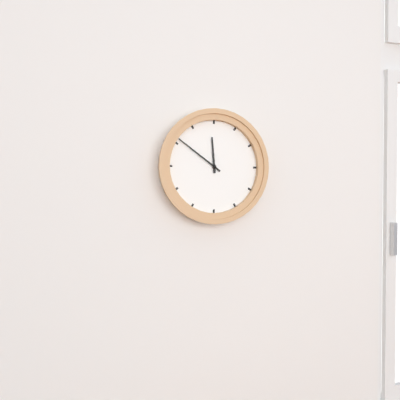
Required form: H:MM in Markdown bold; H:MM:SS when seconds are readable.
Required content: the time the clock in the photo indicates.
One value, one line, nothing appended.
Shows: **11:51**
